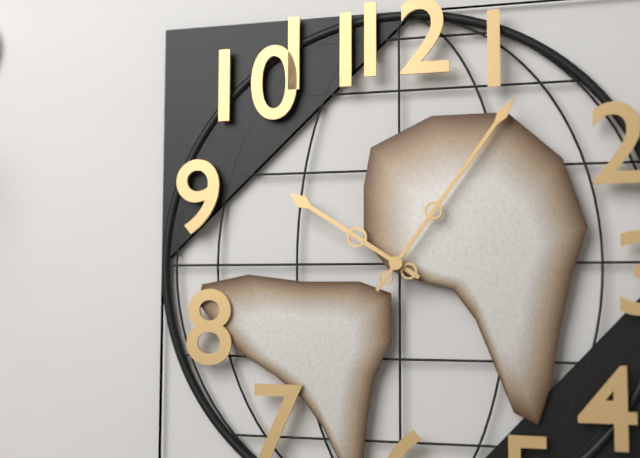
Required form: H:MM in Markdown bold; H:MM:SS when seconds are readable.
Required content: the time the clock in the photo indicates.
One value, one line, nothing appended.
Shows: **10:06**
